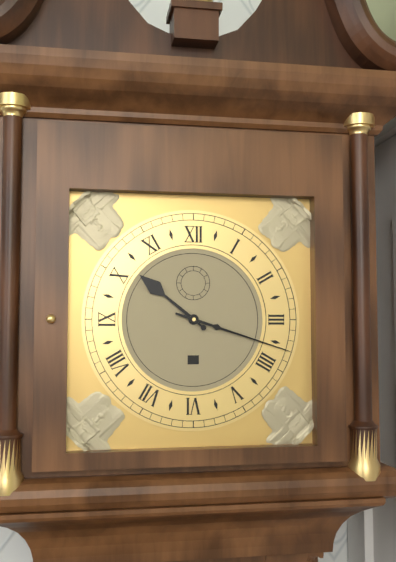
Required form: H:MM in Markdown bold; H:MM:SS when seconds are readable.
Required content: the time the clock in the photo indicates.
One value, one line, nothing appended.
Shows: **10:18**
